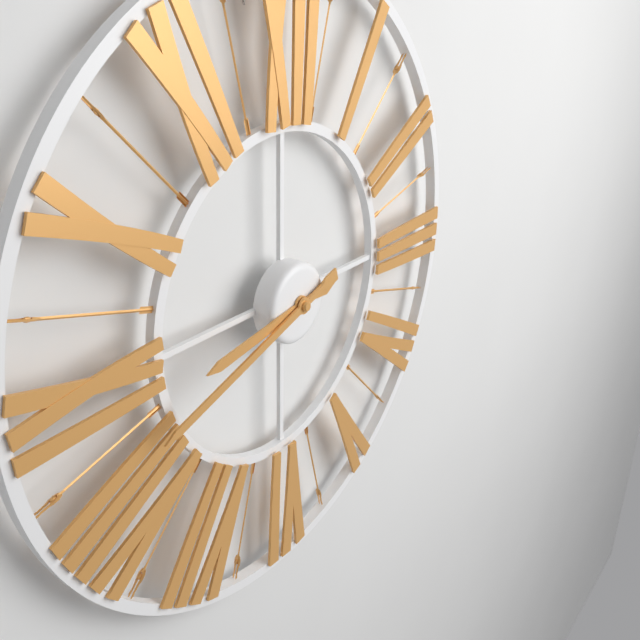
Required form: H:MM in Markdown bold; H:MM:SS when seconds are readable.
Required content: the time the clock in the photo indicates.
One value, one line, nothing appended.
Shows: **8:42**
